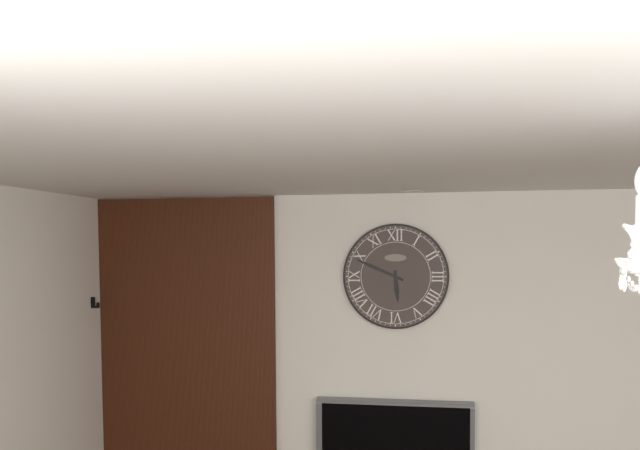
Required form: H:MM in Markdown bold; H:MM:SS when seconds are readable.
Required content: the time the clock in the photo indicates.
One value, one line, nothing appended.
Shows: **5:49**
